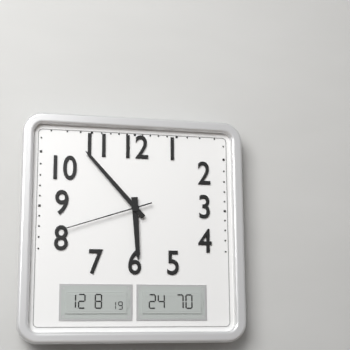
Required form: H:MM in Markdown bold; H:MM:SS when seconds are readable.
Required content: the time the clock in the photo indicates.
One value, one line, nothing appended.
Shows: **5:53:42**
